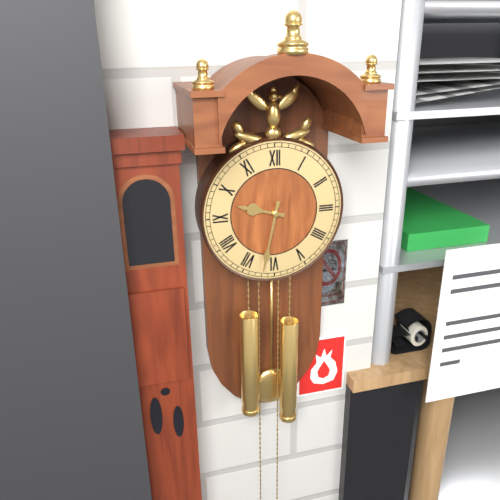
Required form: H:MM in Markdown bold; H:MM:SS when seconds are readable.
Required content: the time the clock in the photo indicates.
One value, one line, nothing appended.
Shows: **9:32**
